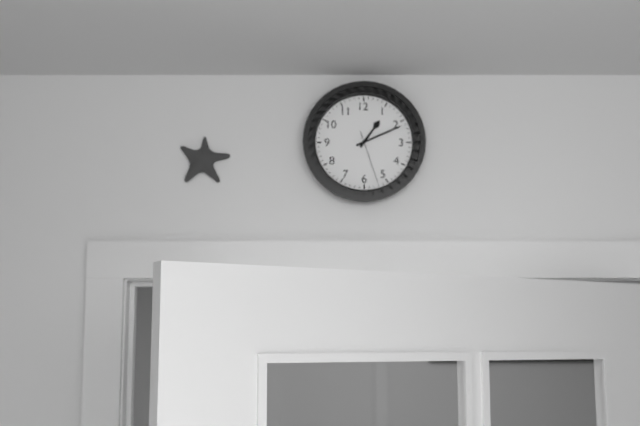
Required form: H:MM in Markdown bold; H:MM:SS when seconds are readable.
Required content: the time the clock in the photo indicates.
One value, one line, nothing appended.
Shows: **1:11:27**
